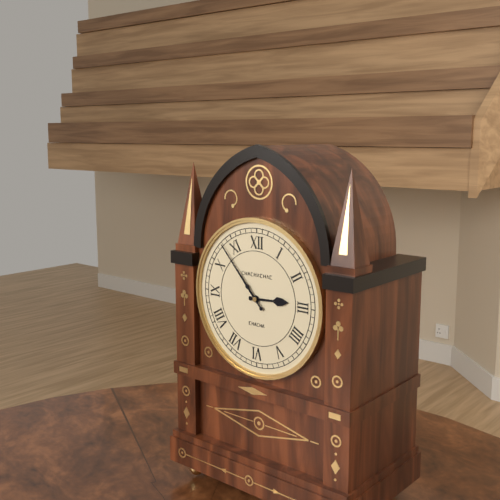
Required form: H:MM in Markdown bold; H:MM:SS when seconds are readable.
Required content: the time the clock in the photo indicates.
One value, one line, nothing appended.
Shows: **2:53**
